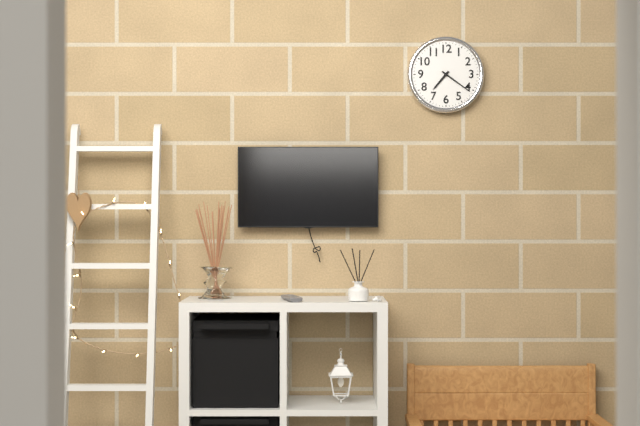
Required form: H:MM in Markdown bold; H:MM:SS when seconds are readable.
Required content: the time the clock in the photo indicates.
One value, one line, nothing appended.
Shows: **7:21**
